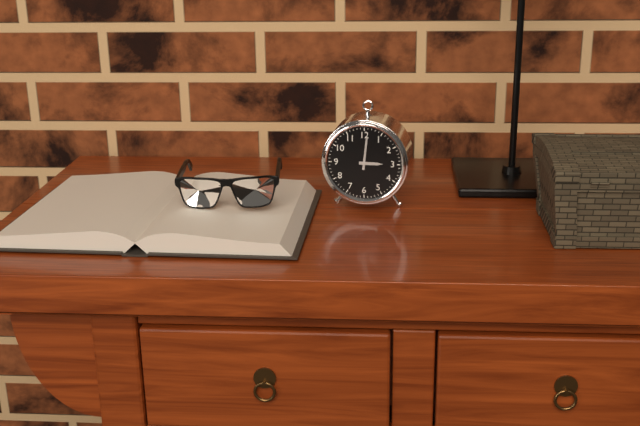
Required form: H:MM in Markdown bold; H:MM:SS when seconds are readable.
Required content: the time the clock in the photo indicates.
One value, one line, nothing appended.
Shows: **3:01**
